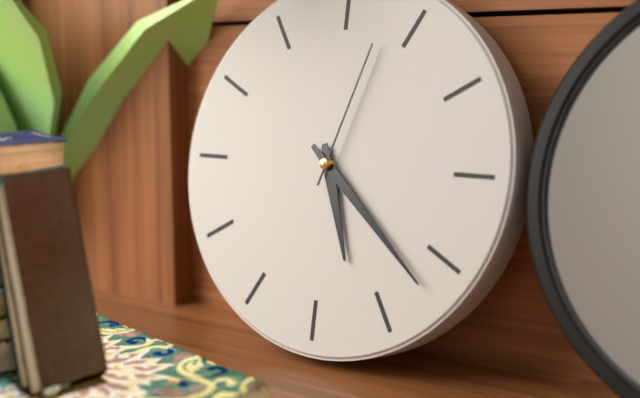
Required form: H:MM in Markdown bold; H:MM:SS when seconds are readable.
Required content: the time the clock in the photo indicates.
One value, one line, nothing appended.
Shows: **5:22:03**
